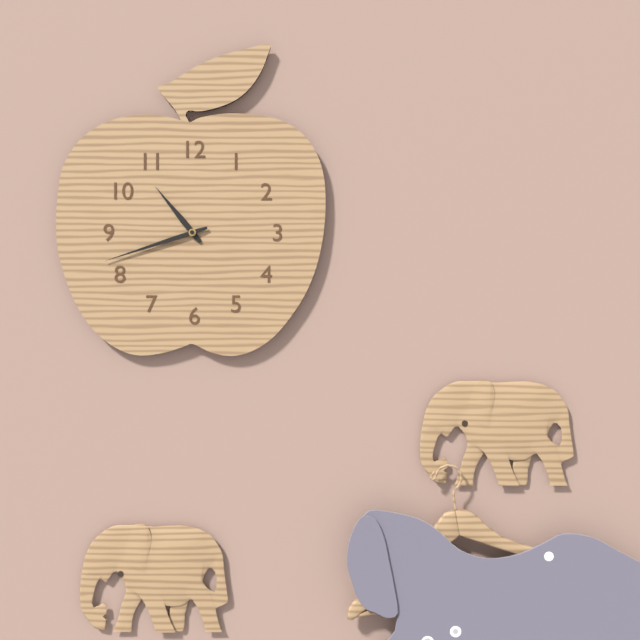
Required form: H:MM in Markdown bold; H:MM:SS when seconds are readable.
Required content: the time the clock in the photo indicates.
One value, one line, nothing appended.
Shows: **10:42**
